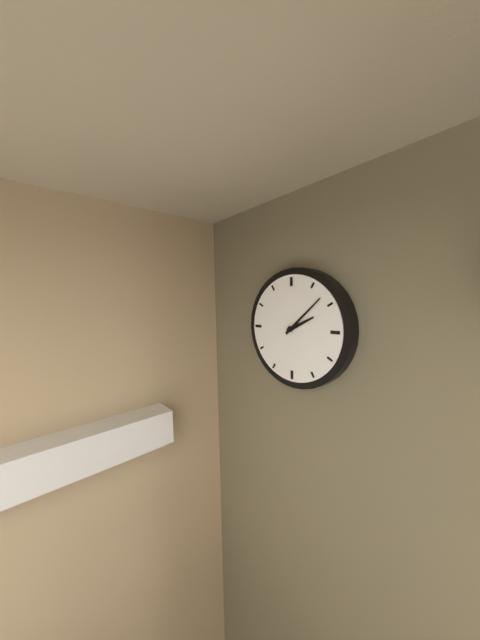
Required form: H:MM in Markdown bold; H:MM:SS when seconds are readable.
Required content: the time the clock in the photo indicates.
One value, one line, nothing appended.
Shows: **2:08**
